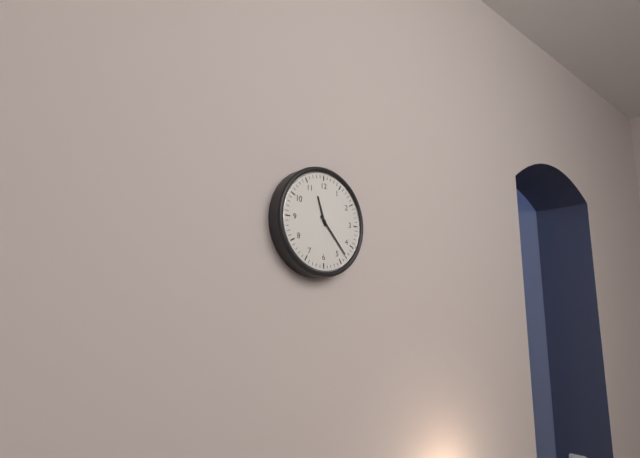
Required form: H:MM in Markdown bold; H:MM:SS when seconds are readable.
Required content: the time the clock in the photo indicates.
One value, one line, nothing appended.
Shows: **11:23**
